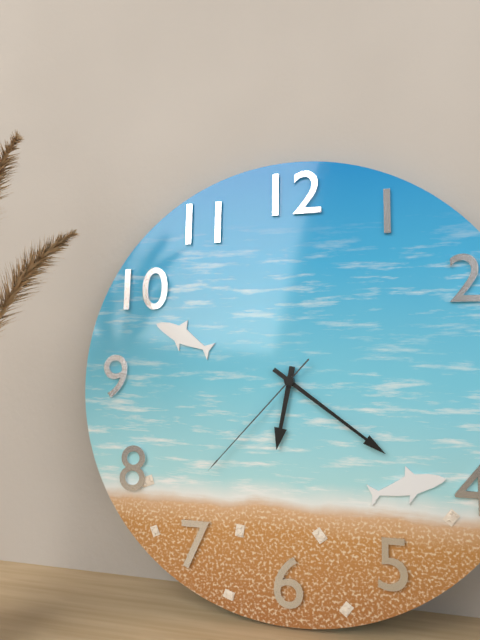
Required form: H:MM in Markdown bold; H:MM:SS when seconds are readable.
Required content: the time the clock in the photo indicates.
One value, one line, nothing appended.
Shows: **6:21:37**
